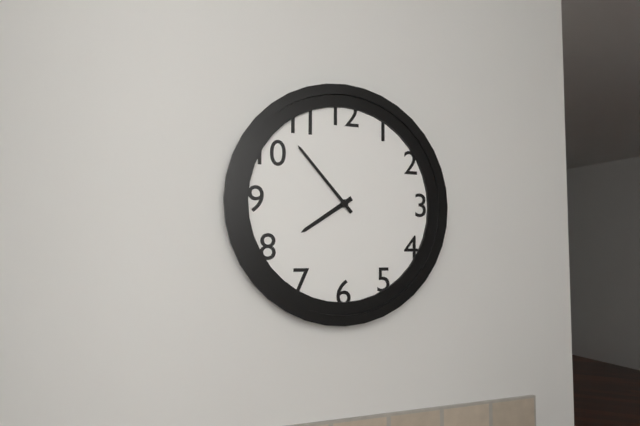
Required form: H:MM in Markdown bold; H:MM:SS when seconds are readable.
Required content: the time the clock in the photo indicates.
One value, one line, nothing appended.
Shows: **7:53**
